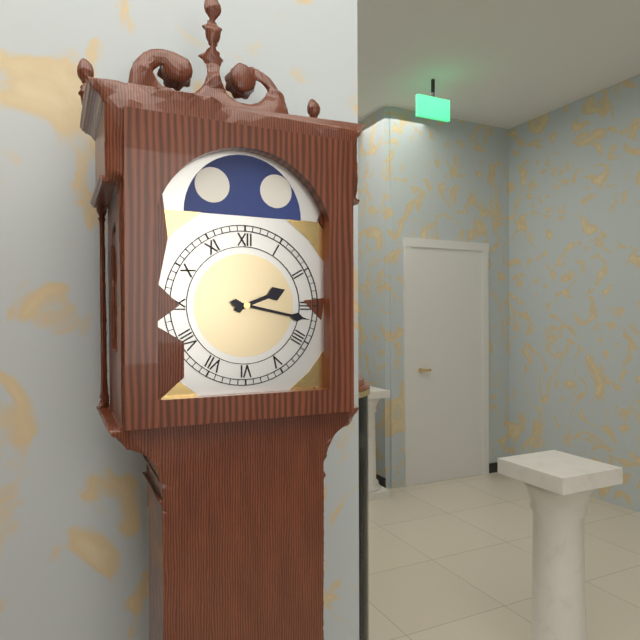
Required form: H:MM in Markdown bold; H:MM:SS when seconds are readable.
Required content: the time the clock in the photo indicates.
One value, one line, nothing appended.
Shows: **2:17**
